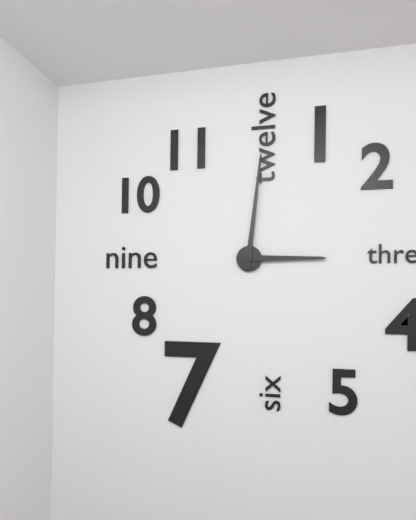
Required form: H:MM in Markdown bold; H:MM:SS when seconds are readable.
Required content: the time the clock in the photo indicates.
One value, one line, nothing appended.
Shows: **3:01**
